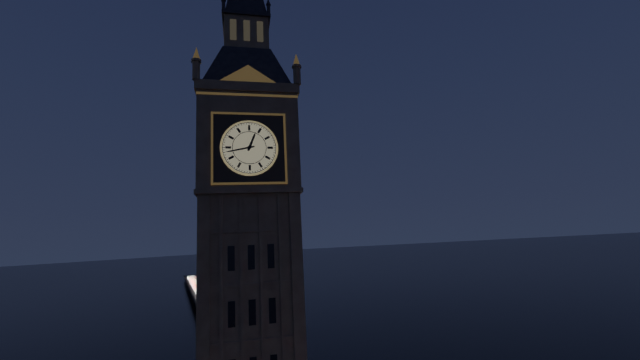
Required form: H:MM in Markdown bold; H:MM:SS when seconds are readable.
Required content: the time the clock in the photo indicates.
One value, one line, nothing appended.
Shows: **12:43**
